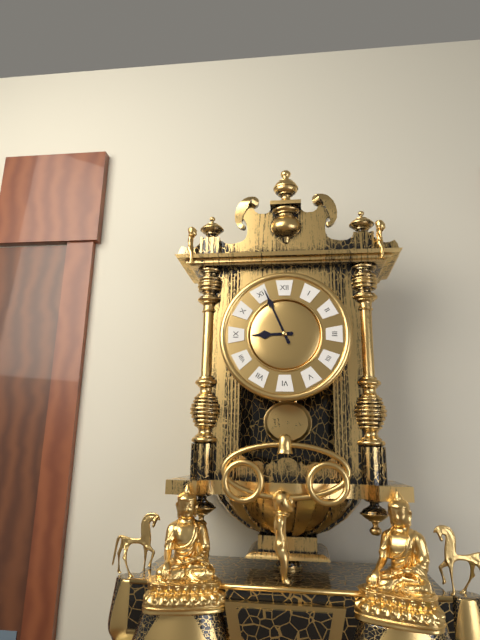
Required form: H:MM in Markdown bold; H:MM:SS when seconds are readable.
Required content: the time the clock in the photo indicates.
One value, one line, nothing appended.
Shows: **8:56**
